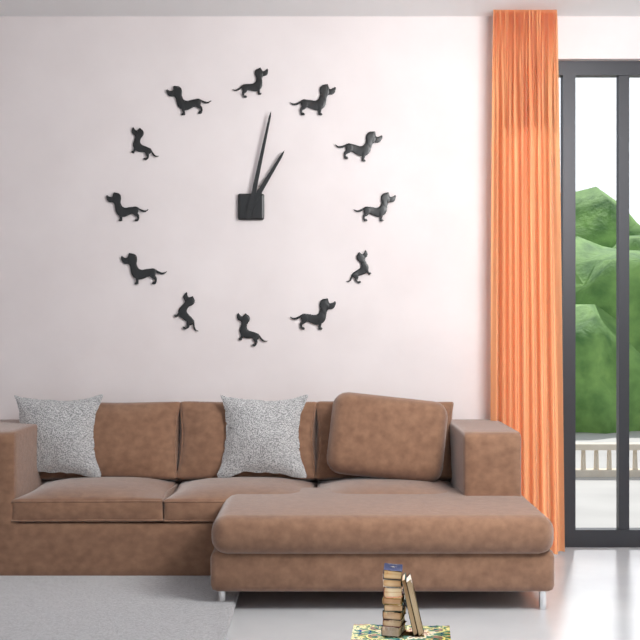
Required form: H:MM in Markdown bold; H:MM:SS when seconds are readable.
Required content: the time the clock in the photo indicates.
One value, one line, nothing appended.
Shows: **1:02**
